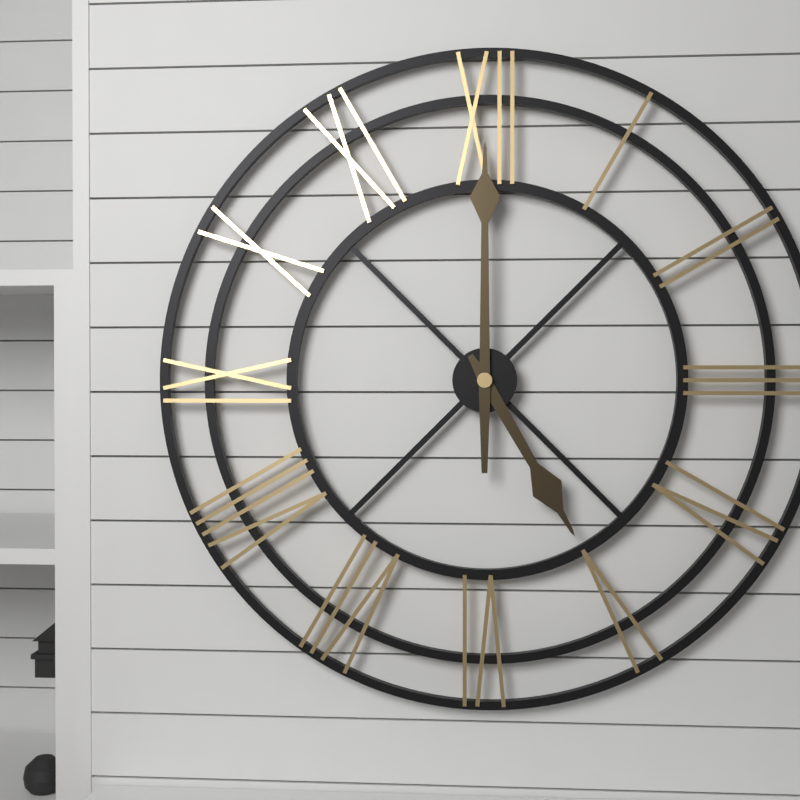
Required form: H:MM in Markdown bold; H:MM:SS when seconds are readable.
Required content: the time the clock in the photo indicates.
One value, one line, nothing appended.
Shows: **5:00**
